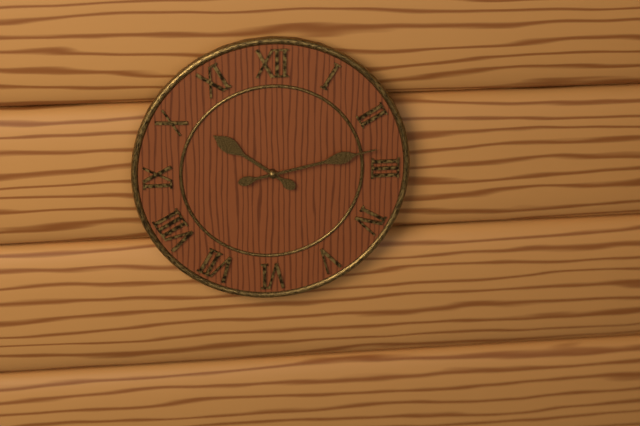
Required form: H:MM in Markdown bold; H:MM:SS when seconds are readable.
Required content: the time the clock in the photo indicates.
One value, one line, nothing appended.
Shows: **10:13**
